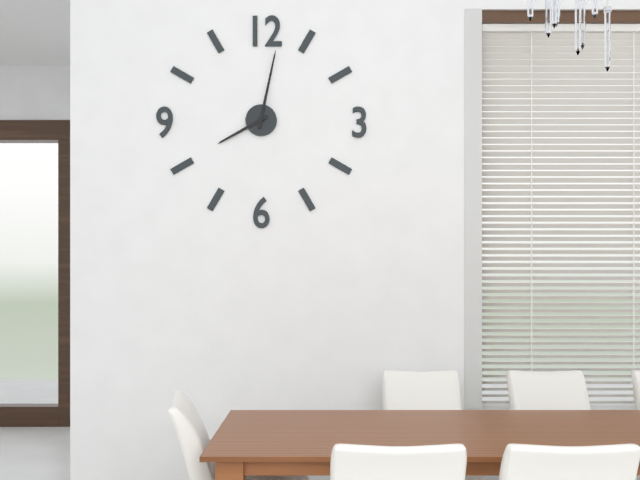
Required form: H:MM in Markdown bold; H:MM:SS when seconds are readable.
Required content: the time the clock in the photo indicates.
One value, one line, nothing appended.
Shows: **8:02**
